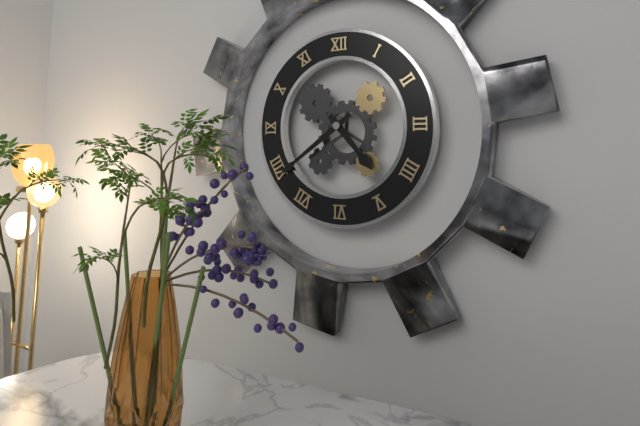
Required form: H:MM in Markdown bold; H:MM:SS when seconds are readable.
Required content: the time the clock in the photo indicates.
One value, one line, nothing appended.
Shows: **4:39**
